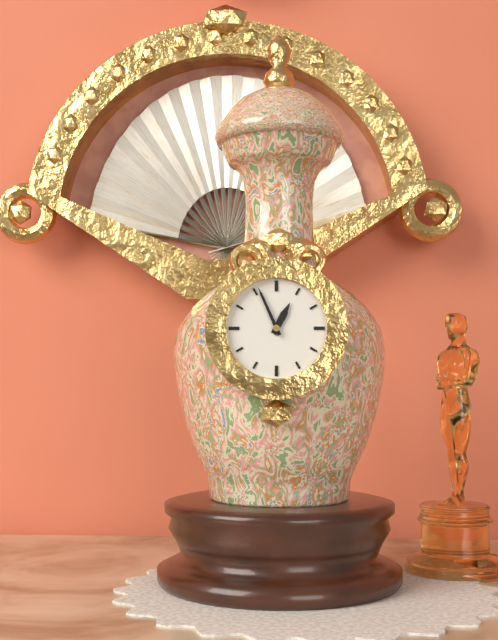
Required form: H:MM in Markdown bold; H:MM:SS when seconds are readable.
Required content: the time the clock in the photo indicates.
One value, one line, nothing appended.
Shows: **12:56**
